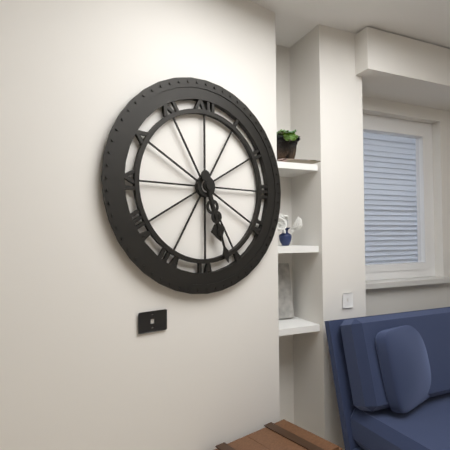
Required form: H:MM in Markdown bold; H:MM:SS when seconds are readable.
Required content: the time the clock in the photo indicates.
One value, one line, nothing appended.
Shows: **5:27**
